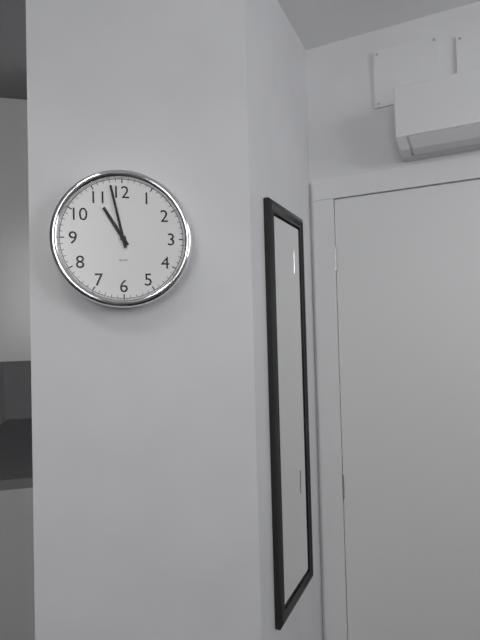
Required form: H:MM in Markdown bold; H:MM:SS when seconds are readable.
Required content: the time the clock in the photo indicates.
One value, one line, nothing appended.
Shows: **10:58**
